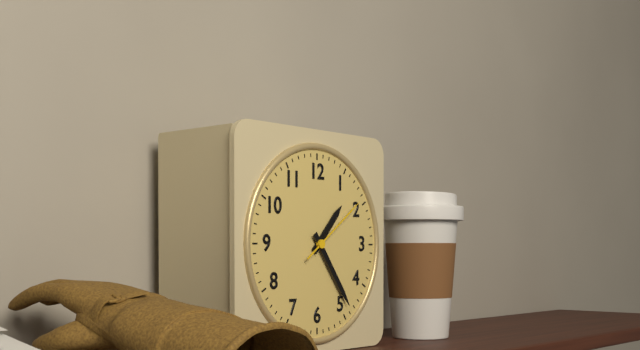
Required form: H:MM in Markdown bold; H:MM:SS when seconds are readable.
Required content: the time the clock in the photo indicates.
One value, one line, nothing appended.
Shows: **1:24:09**
